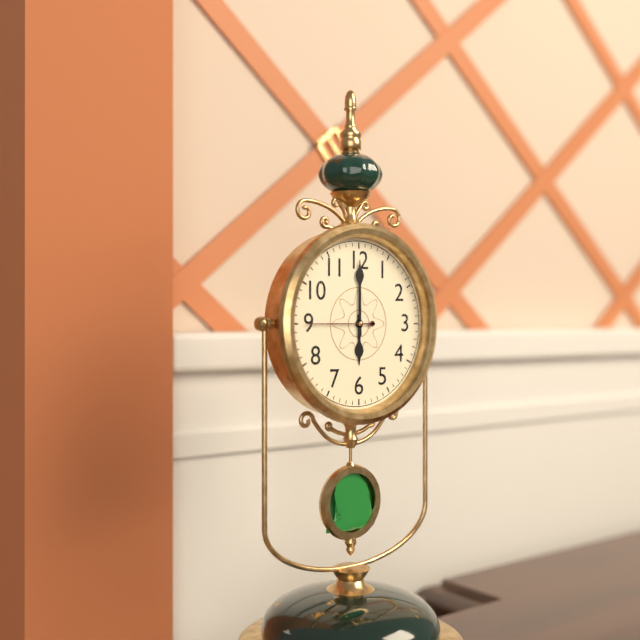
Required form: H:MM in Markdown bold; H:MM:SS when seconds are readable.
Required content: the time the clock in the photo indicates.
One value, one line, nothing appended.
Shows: **6:00:45**
